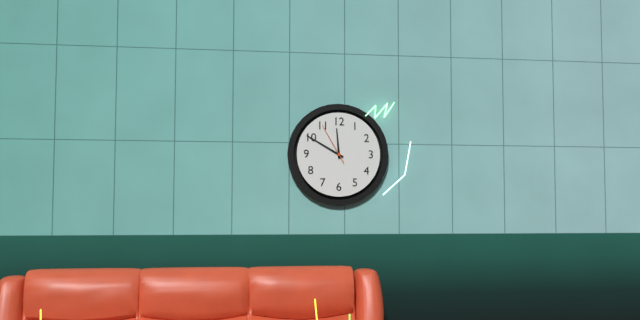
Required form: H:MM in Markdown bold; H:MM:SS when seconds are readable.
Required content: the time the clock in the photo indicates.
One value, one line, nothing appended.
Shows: **11:50**
